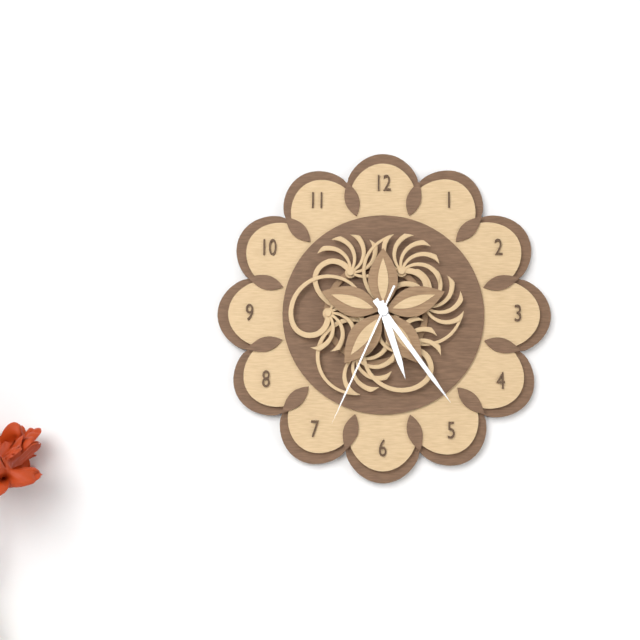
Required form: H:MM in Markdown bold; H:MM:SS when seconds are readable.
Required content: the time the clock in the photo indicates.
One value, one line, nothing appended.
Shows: **5:24:34**
